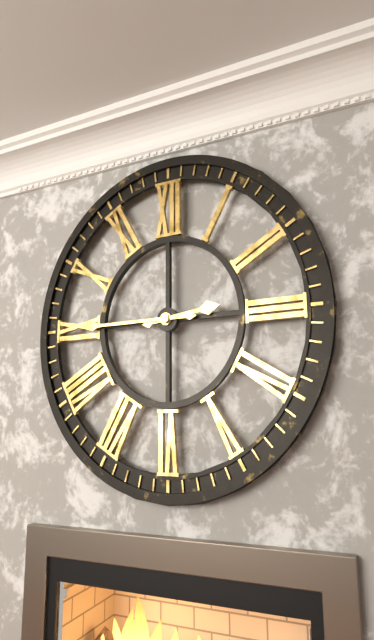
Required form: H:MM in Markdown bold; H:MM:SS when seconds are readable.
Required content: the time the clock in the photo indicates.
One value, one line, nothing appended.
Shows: **2:45**
